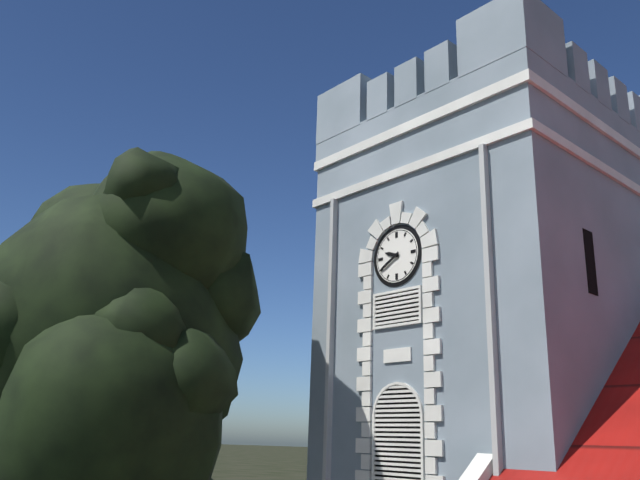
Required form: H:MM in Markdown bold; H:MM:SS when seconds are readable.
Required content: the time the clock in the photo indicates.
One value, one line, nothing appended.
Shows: **9:40**
